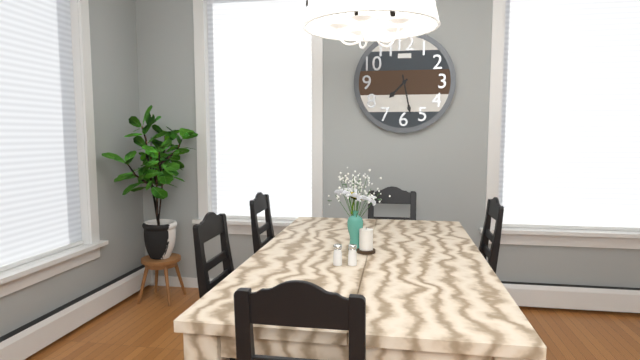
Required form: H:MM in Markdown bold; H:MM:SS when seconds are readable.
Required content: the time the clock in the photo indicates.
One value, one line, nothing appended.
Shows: **7:28**
